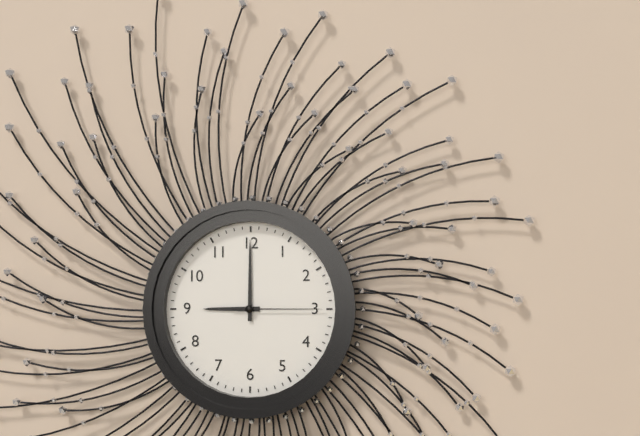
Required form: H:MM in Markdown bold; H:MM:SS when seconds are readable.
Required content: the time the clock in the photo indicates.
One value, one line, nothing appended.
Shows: **9:00:15**
